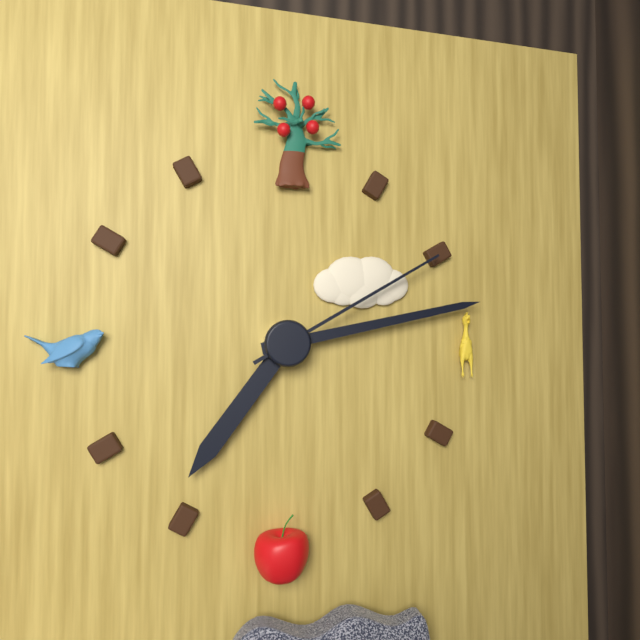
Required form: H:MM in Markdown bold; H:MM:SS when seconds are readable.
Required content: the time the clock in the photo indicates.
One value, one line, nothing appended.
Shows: **7:13:10**
